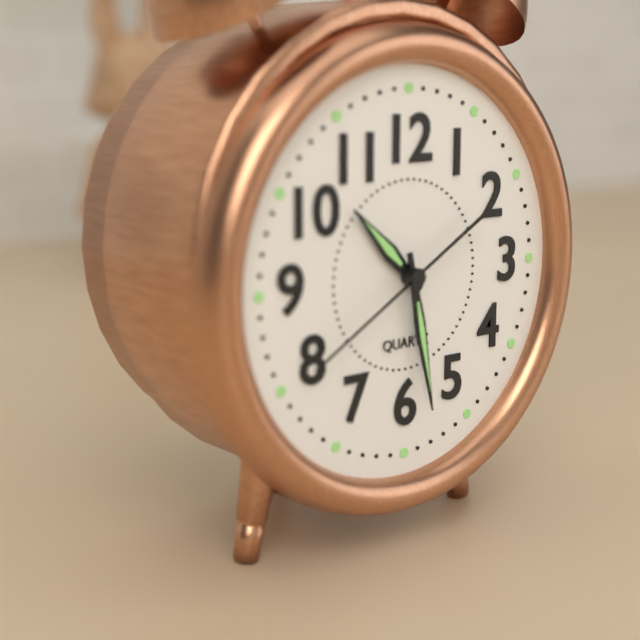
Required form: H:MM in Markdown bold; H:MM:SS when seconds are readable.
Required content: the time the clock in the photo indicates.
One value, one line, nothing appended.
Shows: **10:28:40**
